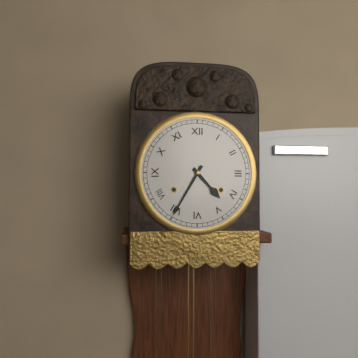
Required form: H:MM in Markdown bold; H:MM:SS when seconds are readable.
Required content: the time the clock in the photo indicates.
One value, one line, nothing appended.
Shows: **4:35**
